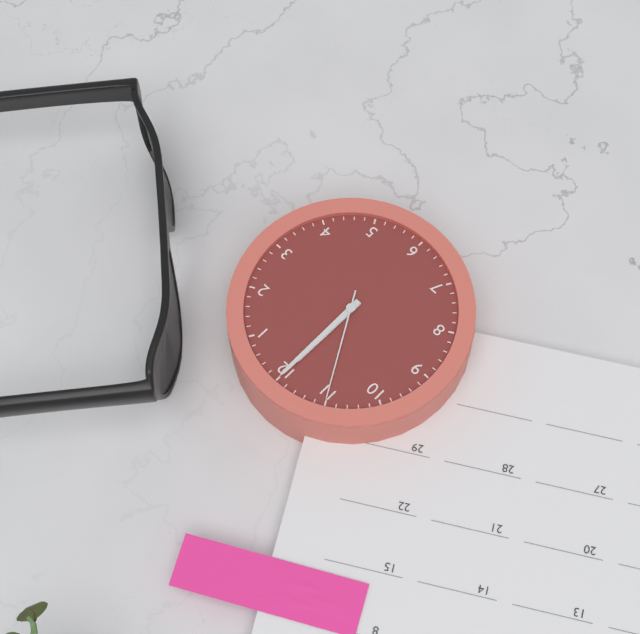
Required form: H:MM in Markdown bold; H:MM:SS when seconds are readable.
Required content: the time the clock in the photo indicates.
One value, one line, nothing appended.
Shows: **12:00:55**
